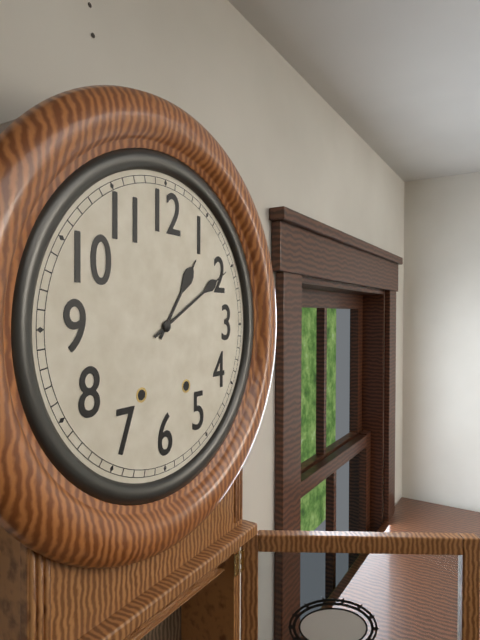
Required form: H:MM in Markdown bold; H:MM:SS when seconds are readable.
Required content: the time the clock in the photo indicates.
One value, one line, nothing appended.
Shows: **1:10**
